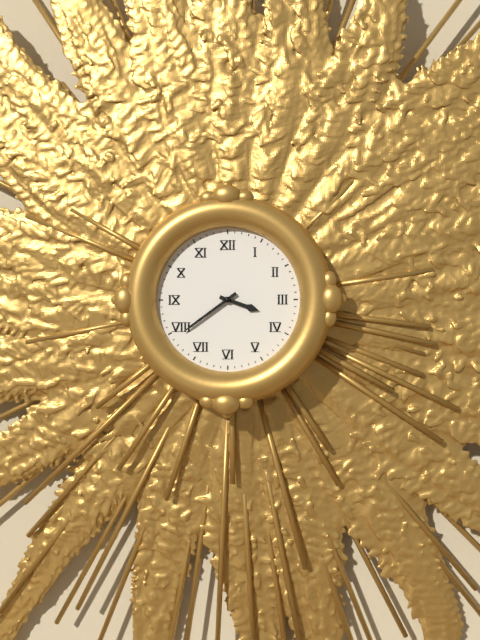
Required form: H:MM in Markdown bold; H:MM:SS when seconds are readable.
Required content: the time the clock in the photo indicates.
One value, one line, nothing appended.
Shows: **3:39**
